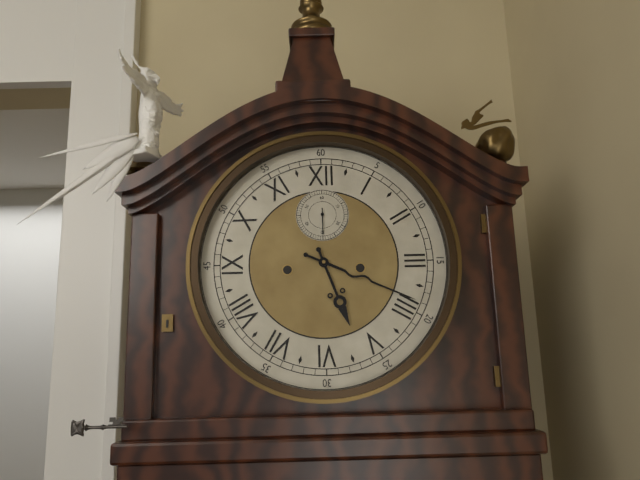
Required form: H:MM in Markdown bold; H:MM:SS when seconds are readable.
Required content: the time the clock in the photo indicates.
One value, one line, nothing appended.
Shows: **5:19**
